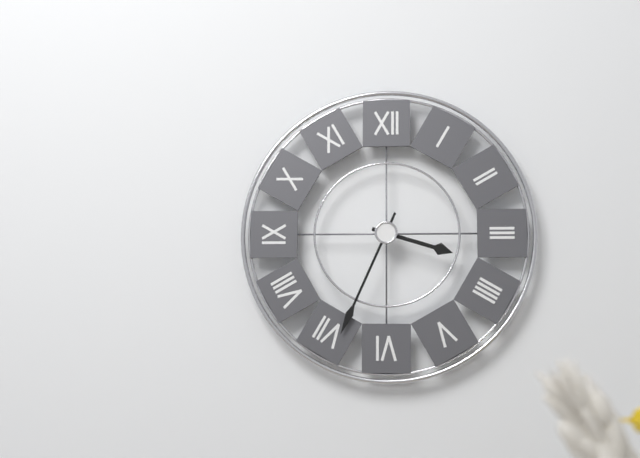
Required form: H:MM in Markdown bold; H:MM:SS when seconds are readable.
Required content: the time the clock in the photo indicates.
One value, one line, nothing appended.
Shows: **3:34**
